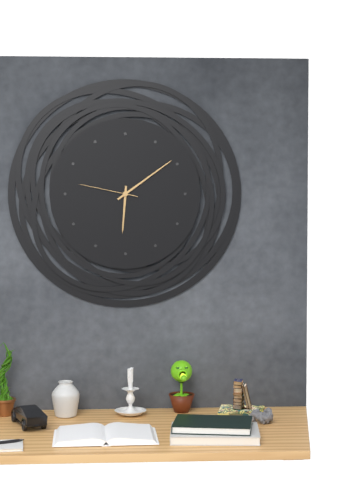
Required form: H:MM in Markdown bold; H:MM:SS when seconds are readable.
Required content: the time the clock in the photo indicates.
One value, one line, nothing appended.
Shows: **6:09:47**
